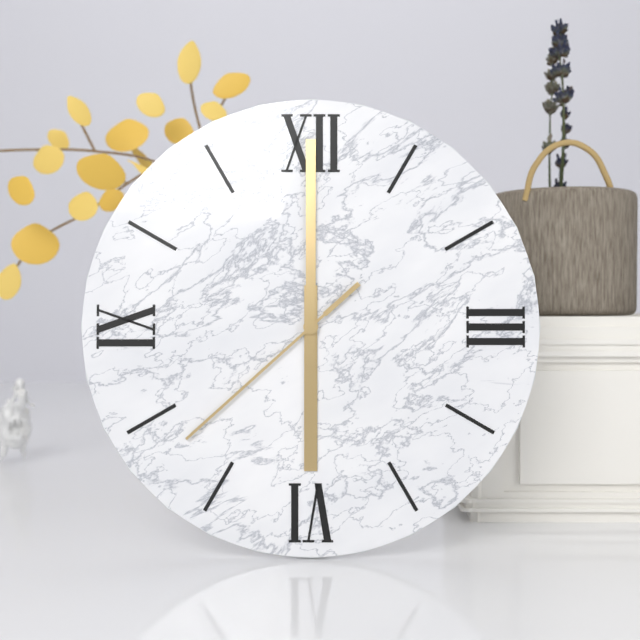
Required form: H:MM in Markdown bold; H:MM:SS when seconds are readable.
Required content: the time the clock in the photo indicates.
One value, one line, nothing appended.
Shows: **6:00:38**
